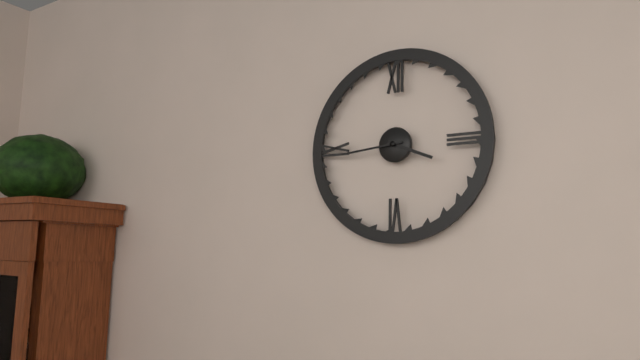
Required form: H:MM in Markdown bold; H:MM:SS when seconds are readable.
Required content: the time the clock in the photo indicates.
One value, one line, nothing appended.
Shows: **3:44**
